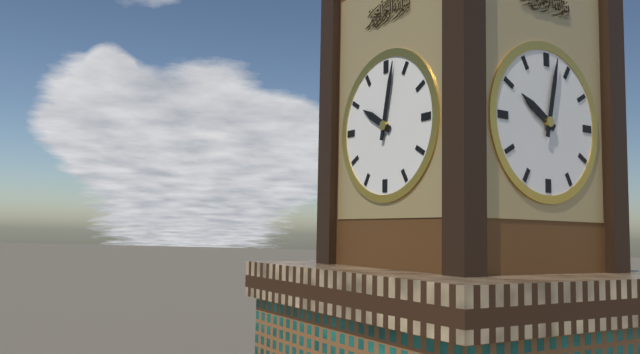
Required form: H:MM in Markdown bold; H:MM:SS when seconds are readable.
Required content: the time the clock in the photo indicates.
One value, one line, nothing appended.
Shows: **10:02**
